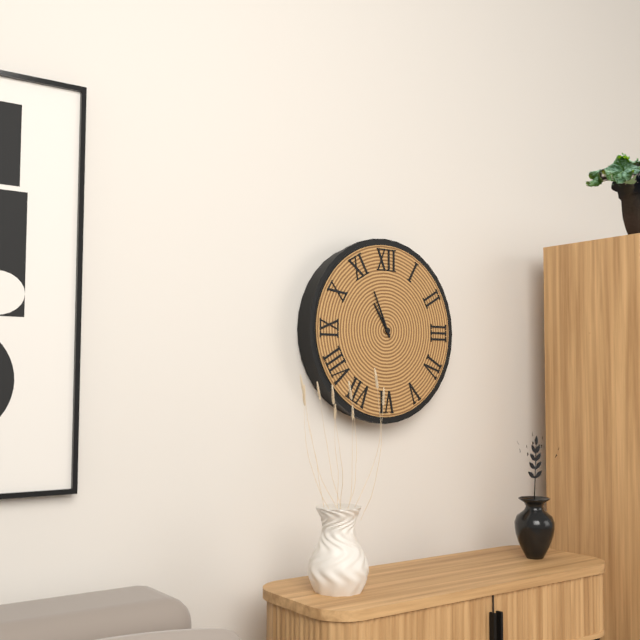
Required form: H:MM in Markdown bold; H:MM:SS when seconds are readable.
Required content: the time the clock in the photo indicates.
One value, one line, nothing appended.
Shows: **10:56**
